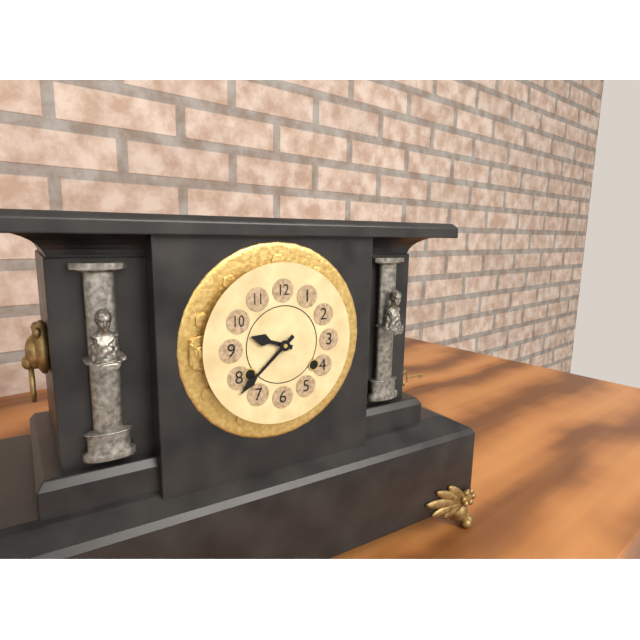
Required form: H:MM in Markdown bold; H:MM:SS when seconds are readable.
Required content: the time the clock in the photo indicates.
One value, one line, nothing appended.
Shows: **9:38**
